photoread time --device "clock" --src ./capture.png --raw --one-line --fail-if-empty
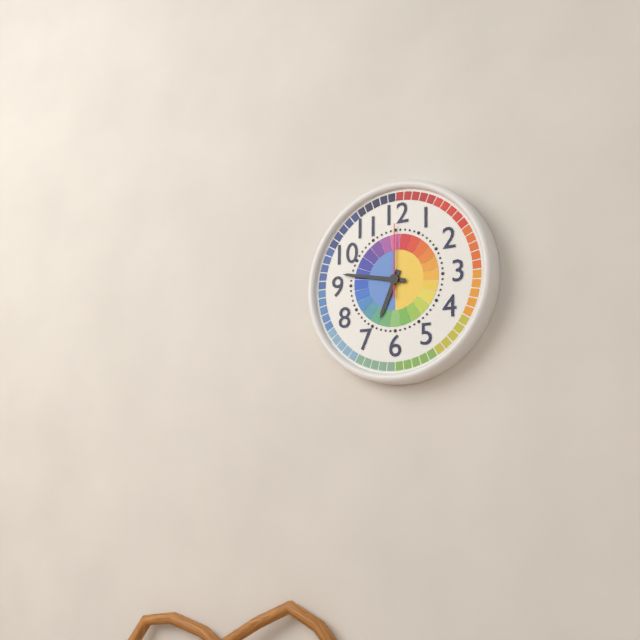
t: 6:47:00
